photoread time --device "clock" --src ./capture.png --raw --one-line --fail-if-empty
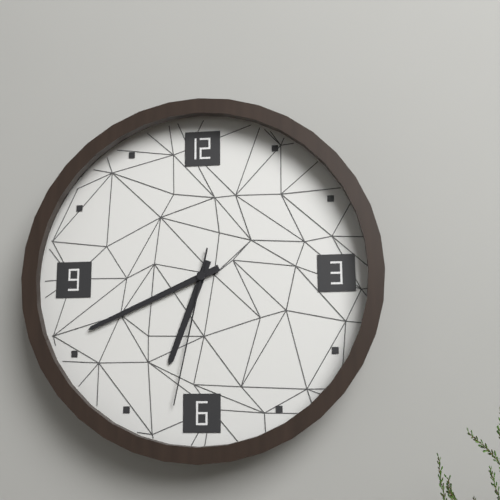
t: 6:41:32
